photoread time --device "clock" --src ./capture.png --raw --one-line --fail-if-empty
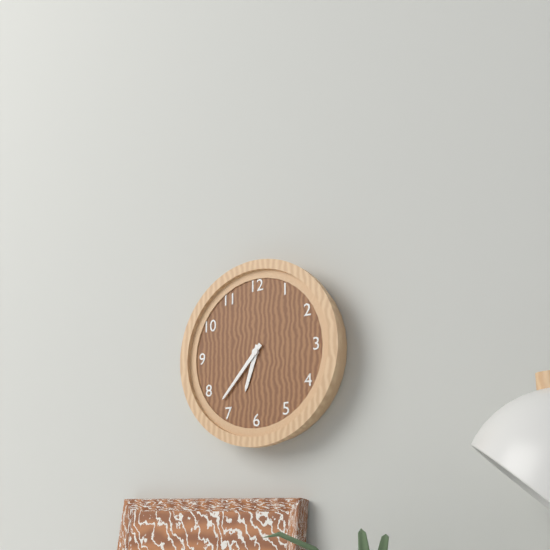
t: 6:37
